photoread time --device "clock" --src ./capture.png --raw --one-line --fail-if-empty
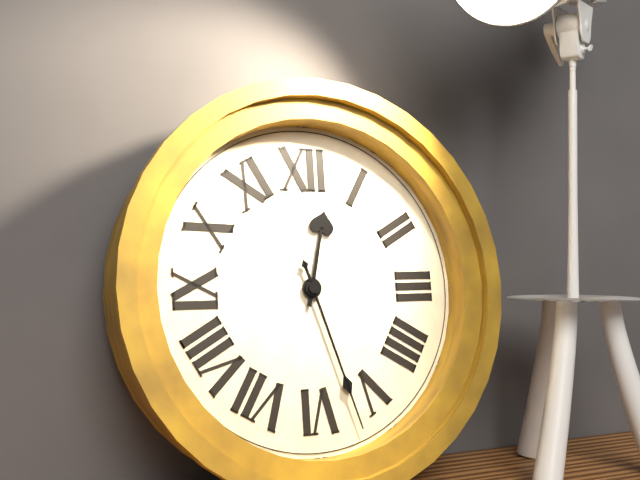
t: 12:27
